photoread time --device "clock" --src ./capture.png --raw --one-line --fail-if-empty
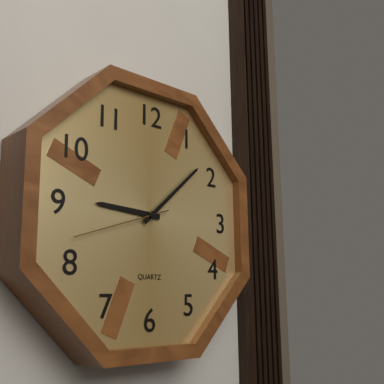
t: 9:08:42
